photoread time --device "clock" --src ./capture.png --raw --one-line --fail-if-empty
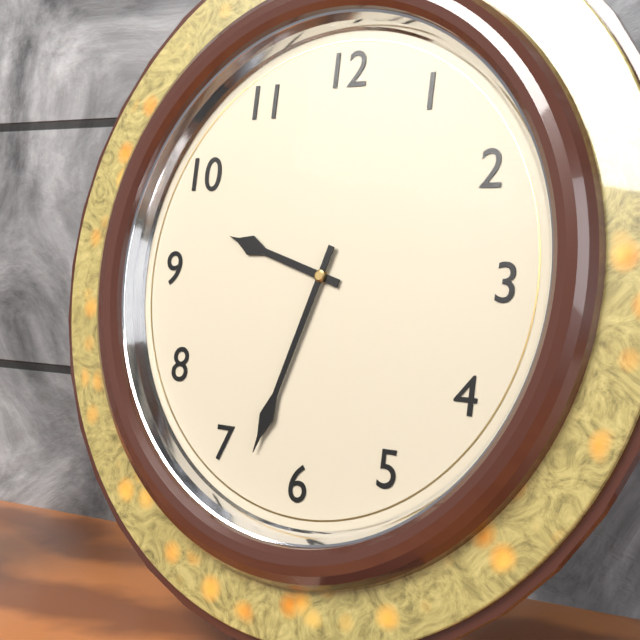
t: 9:33
